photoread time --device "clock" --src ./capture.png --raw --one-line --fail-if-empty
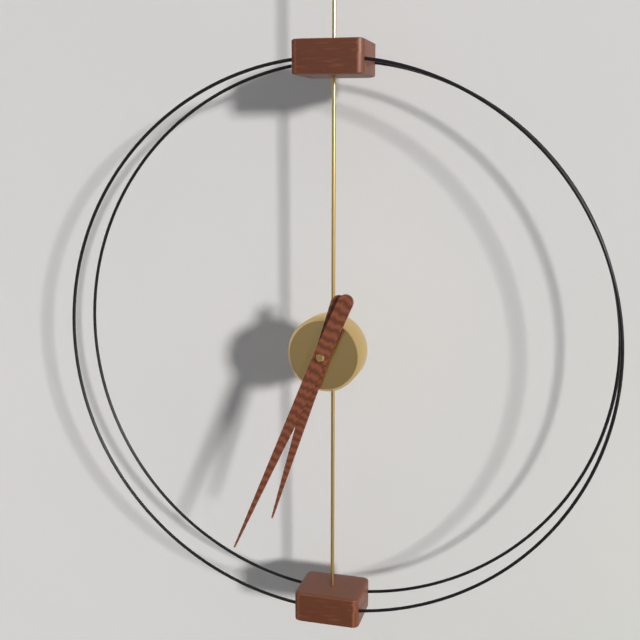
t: 6:34
